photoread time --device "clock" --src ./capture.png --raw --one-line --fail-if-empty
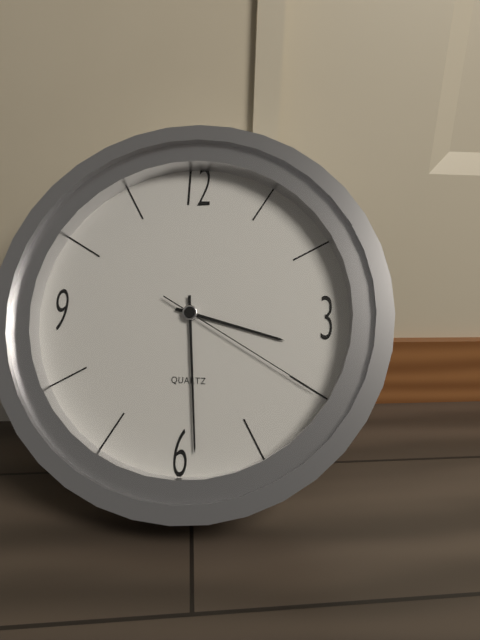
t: 3:29:20
